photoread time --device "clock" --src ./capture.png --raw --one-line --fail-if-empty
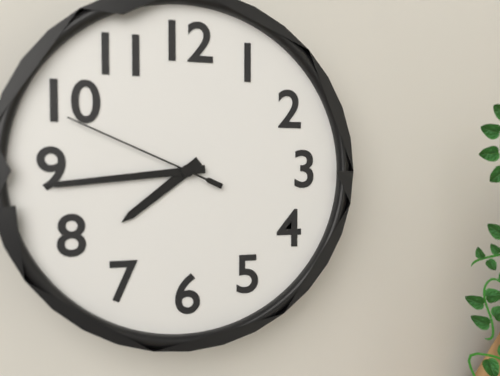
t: 7:44:49
